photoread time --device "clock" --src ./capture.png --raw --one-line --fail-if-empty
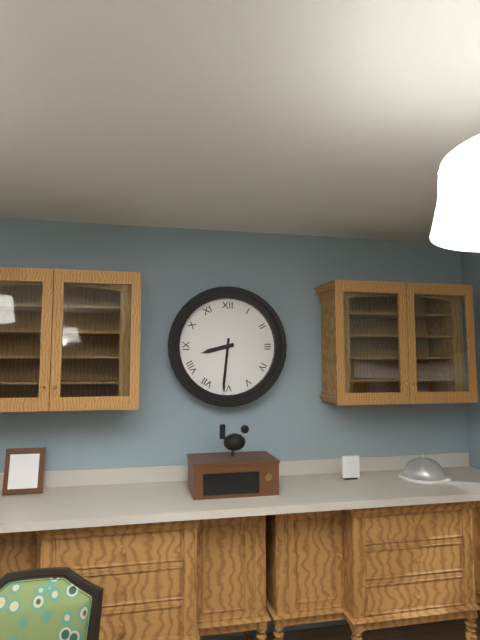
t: 8:31
